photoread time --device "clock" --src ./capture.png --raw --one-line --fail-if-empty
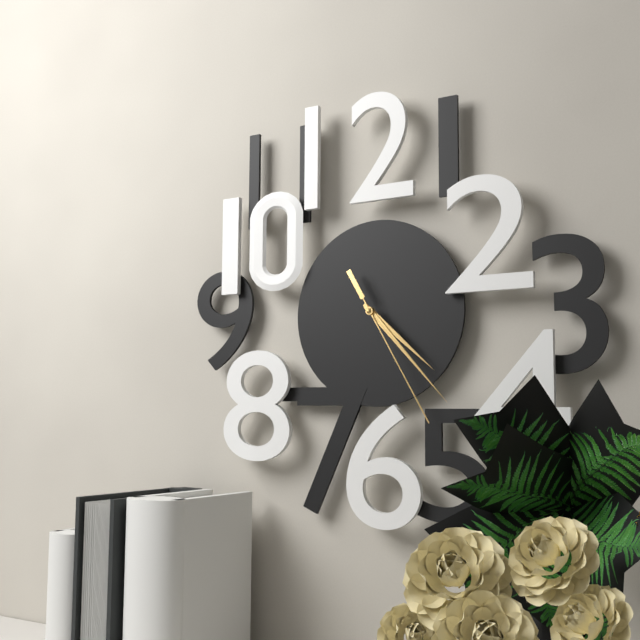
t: 4:23:25
